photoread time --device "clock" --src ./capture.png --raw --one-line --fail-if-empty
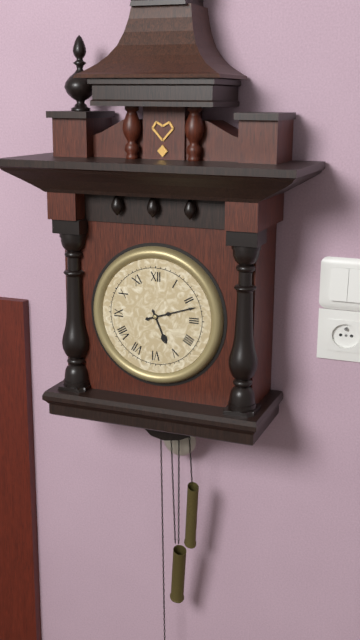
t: 5:12
